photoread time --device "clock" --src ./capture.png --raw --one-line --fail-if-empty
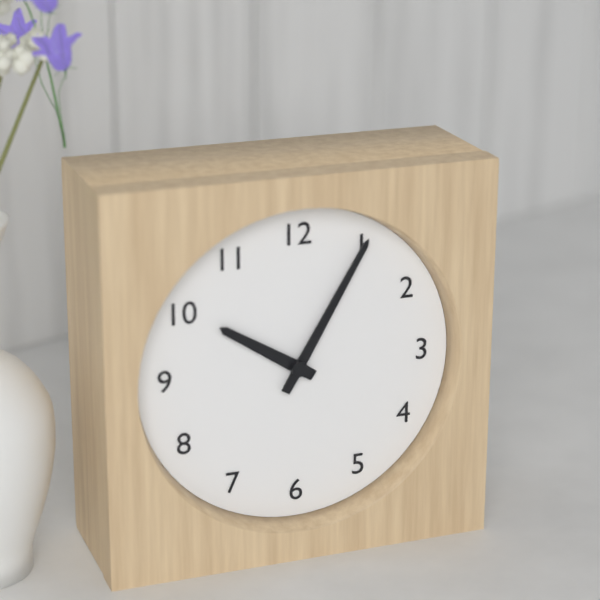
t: 10:05
